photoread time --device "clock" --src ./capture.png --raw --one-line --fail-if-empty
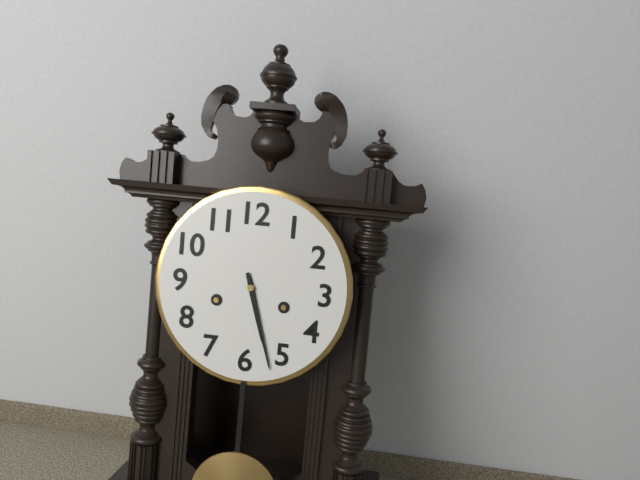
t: 5:27
